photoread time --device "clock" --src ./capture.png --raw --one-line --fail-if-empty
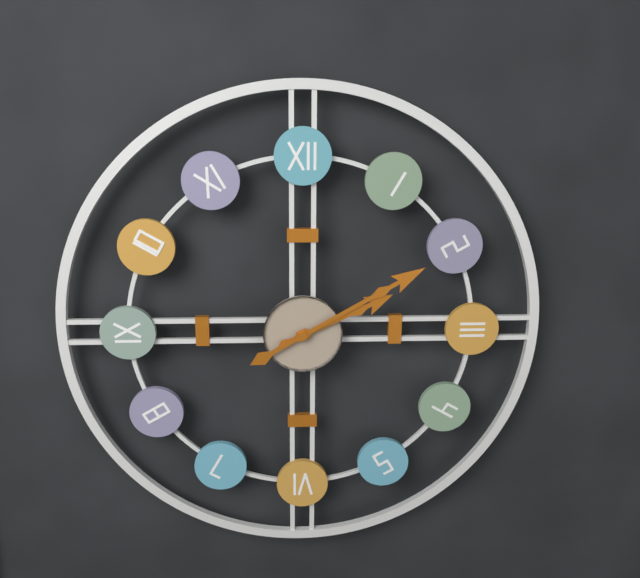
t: 2:10
